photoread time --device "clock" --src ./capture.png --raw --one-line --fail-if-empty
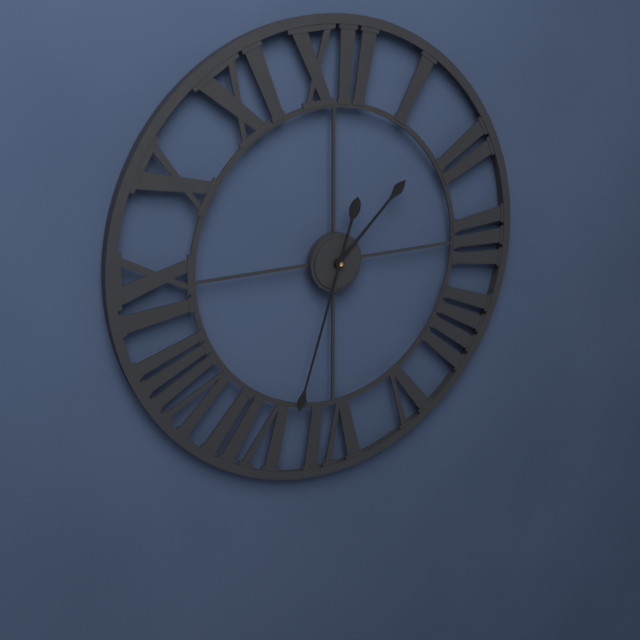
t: 1:33
